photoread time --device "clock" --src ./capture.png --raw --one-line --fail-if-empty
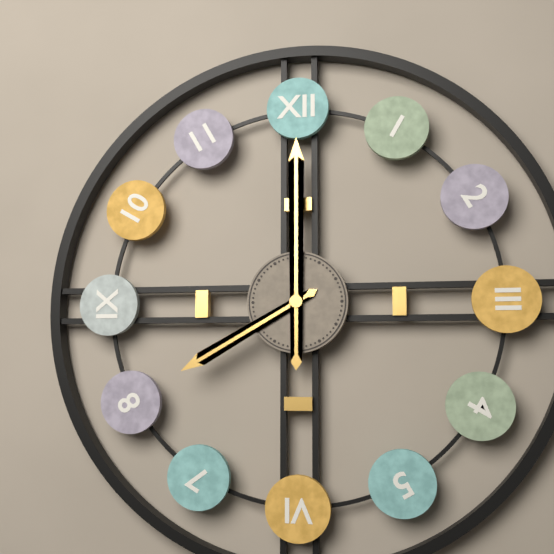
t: 8:00
